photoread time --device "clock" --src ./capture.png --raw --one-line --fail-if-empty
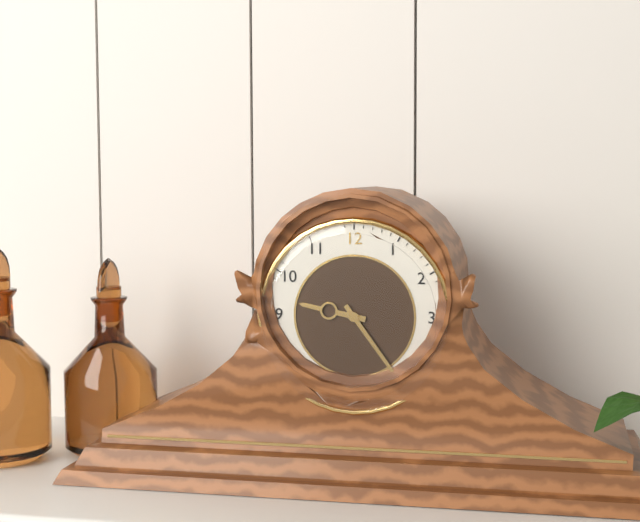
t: 9:24
